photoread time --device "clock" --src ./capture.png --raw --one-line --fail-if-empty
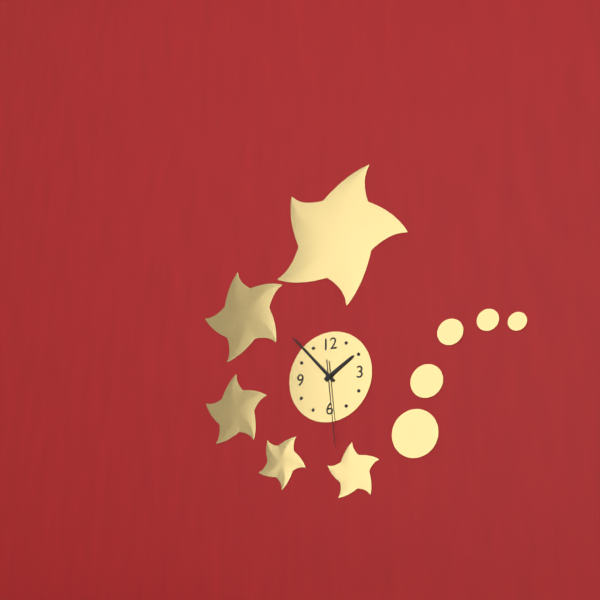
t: 1:53:29
